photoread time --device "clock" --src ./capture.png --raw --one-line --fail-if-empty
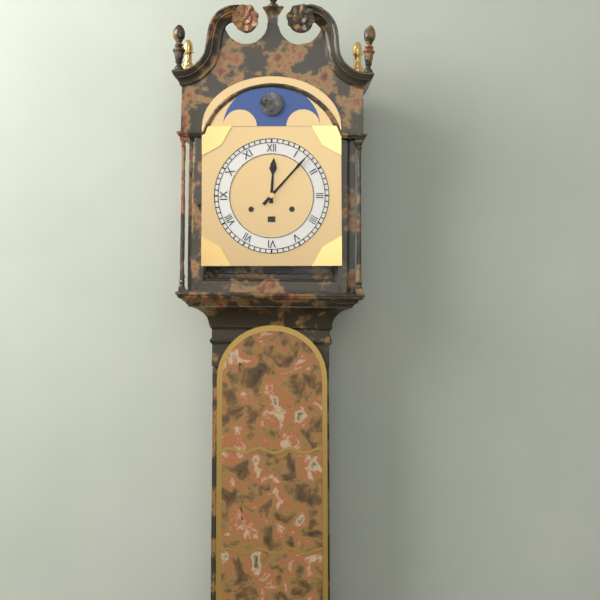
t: 12:07
